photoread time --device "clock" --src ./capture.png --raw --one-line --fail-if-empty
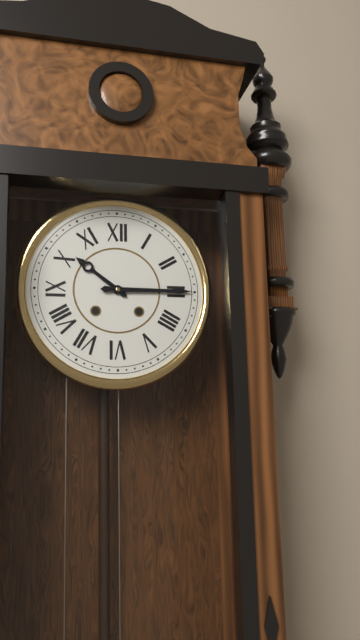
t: 10:15
